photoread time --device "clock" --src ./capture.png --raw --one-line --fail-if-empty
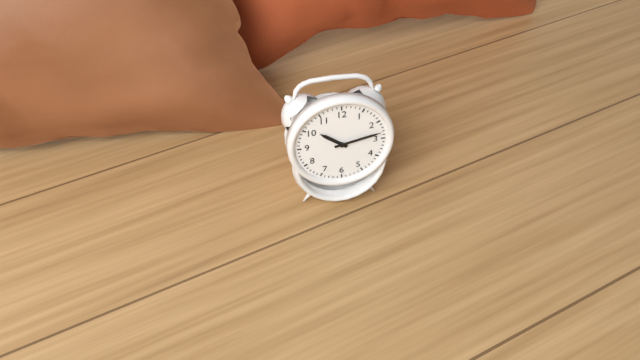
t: 10:13
